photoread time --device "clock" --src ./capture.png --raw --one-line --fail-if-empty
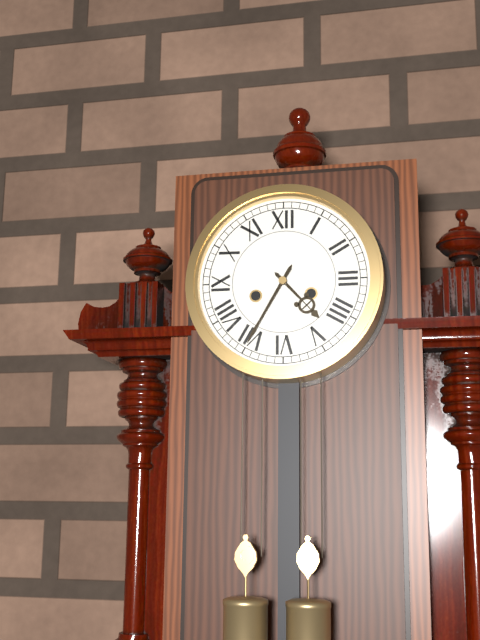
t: 4:35
